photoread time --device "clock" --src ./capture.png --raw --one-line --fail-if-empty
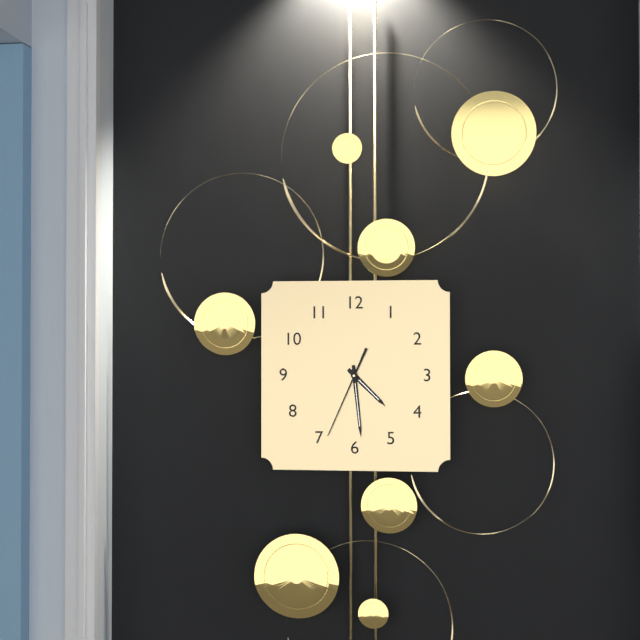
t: 4:29:34
